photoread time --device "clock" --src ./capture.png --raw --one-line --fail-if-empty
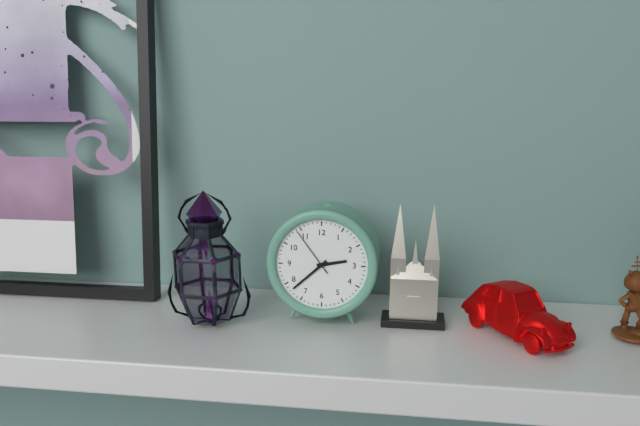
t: 2:38:54
